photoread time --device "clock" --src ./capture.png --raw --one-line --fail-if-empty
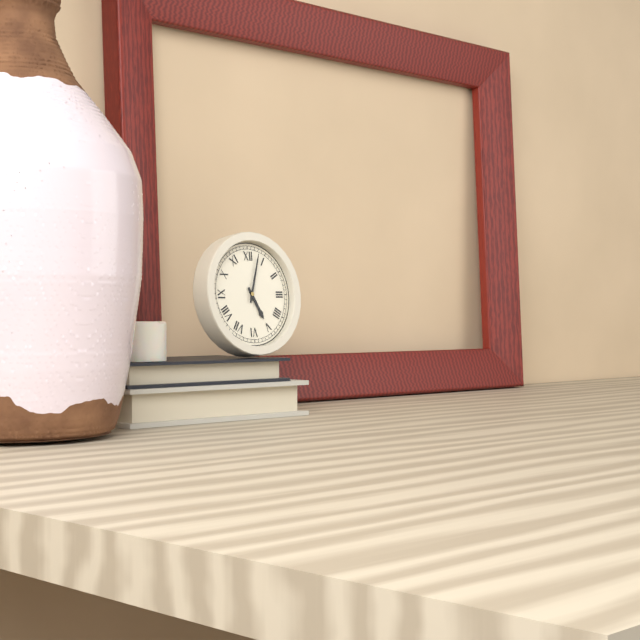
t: 5:03
